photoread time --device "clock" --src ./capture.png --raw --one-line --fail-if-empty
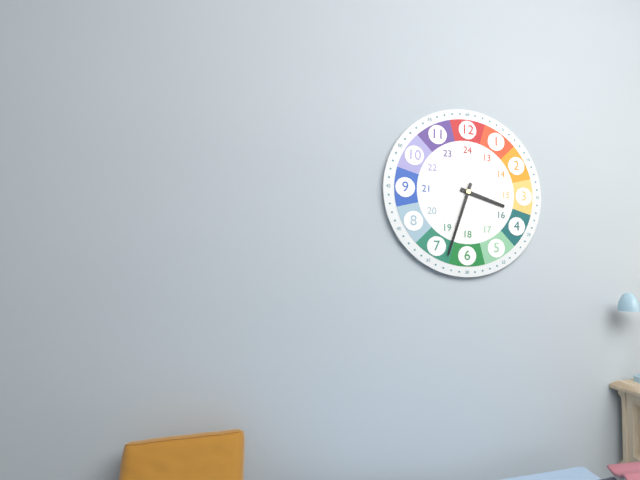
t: 3:33
